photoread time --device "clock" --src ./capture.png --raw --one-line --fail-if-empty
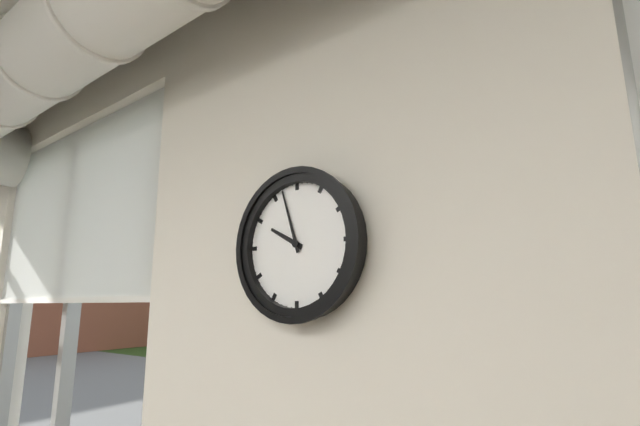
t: 9:57
